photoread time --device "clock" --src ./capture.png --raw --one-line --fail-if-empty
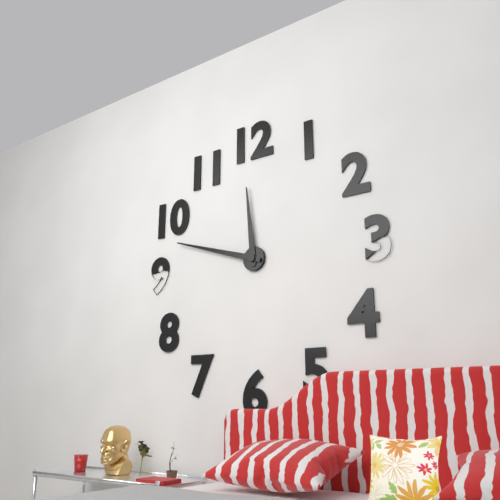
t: 11:48
